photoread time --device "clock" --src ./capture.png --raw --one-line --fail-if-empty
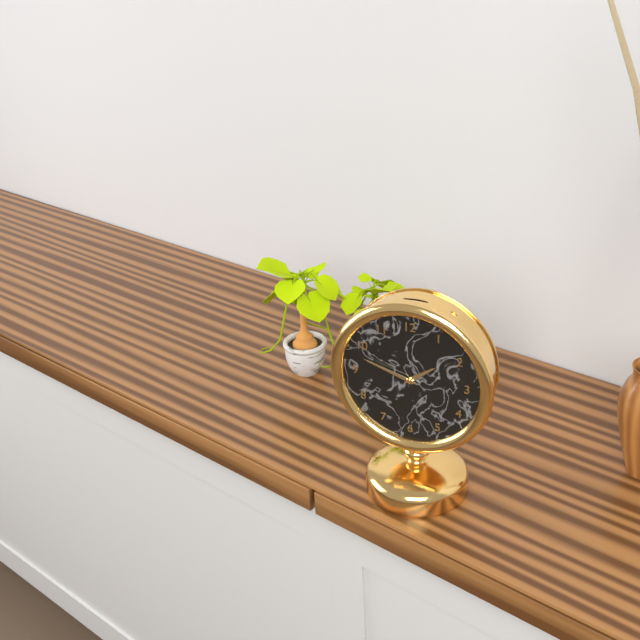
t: 1:48
